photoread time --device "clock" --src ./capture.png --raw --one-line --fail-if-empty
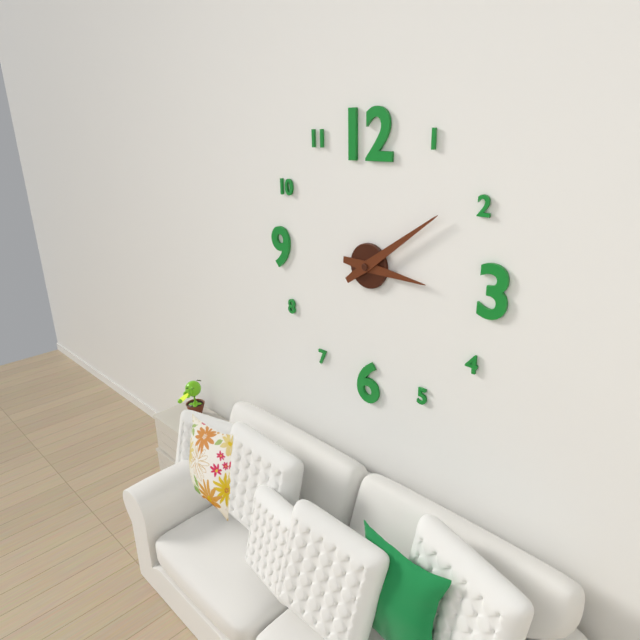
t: 3:09
